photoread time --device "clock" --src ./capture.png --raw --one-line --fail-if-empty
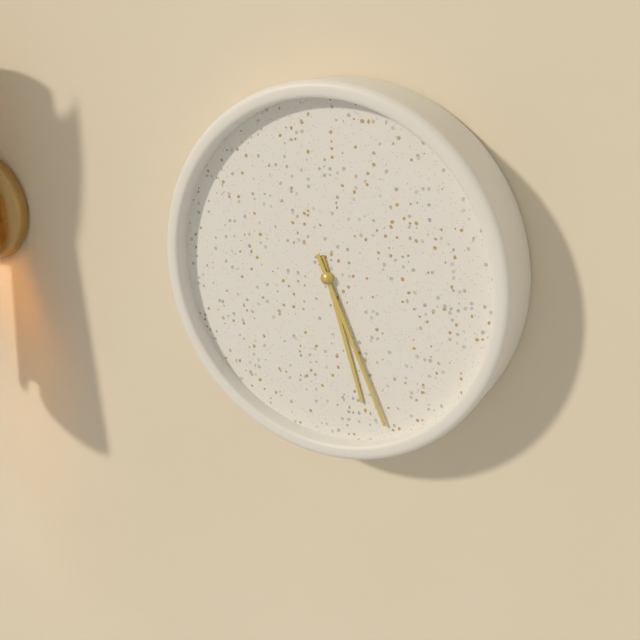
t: 5:26
